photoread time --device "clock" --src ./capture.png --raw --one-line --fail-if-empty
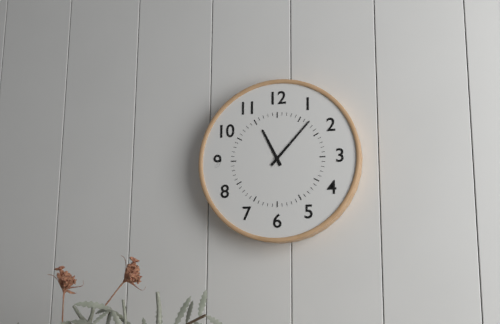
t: 11:07
